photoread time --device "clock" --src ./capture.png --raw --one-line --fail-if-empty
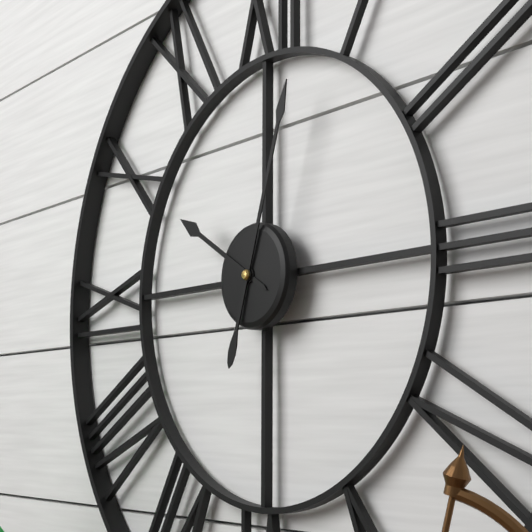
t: 10:03
